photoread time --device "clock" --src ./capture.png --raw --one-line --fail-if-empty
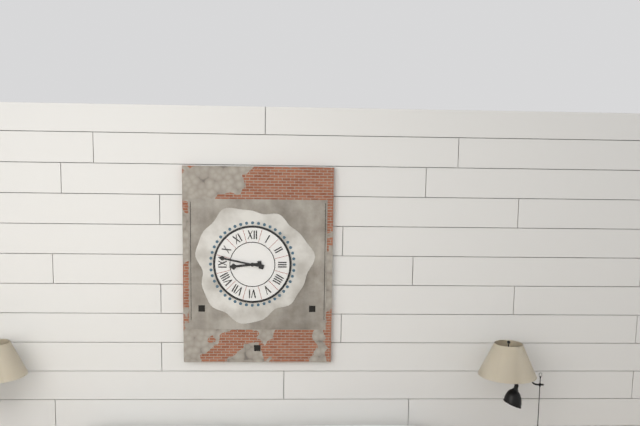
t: 8:47
